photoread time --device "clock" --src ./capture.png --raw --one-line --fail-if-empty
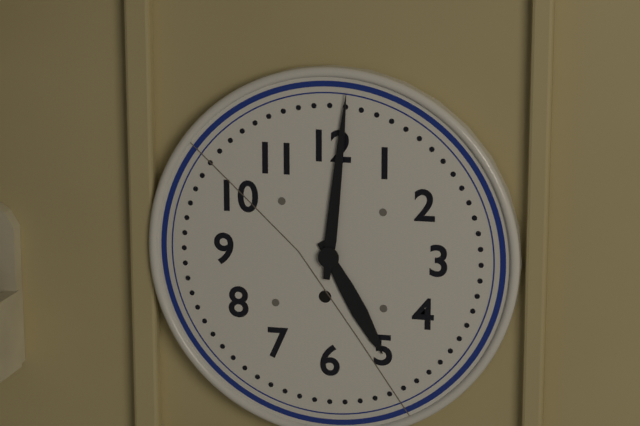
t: 5:01
